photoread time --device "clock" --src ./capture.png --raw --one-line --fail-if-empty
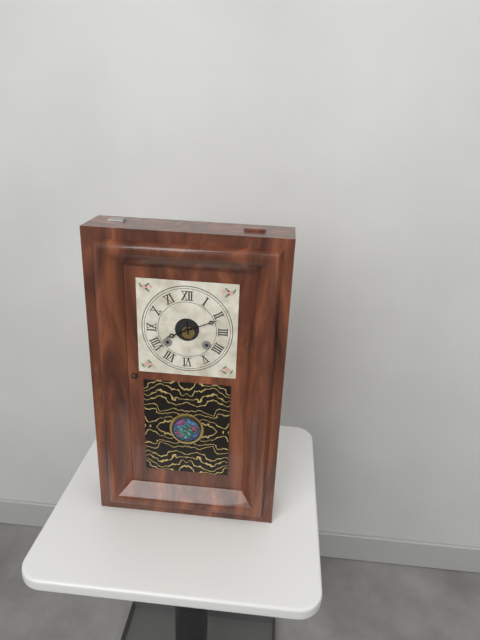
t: 8:11
